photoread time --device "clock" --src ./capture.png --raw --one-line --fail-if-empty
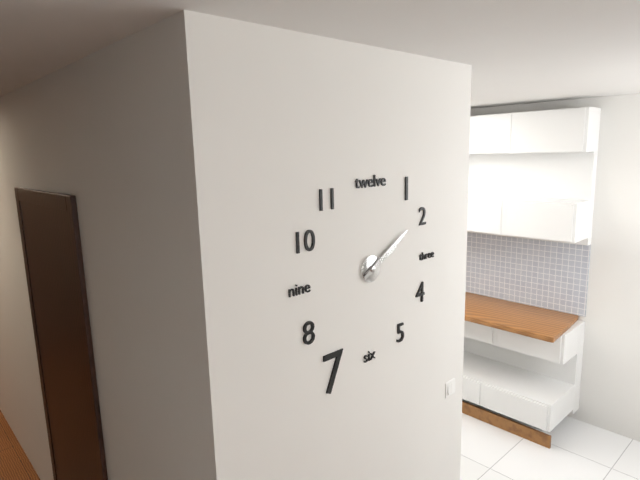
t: 2:10
